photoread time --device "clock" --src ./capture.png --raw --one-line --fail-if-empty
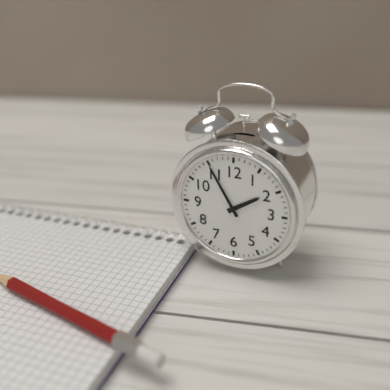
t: 1:55
